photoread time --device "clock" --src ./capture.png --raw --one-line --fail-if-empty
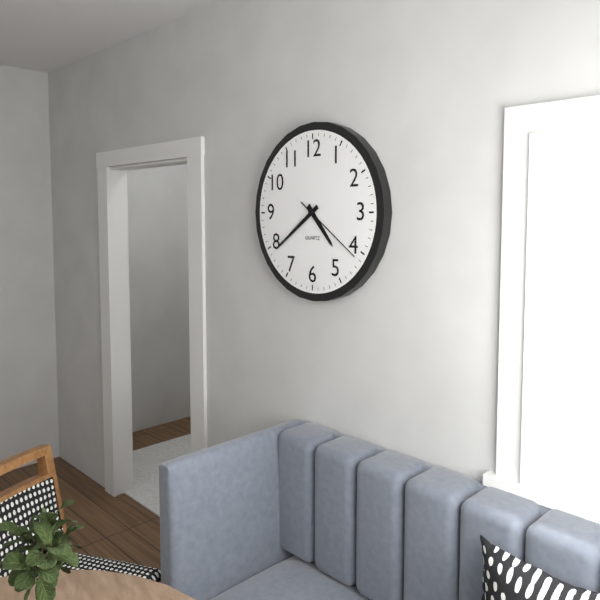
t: 4:39:21
